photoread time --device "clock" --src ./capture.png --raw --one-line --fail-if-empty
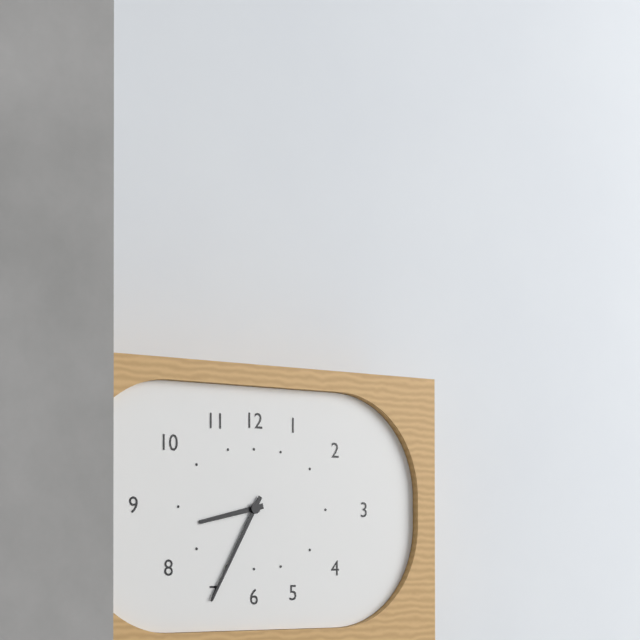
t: 8:35
